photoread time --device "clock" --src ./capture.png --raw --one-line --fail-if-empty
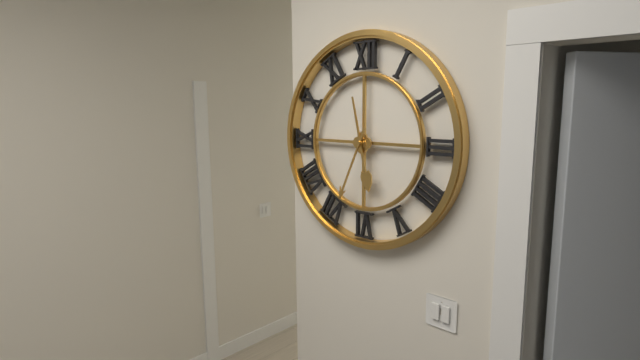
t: 5:34
